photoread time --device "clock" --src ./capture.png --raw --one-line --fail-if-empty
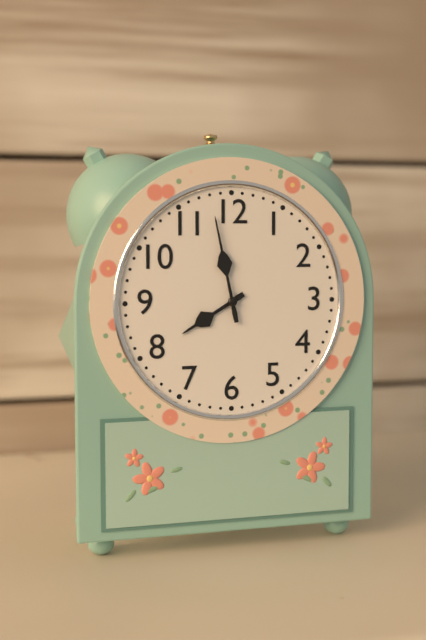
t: 7:58
